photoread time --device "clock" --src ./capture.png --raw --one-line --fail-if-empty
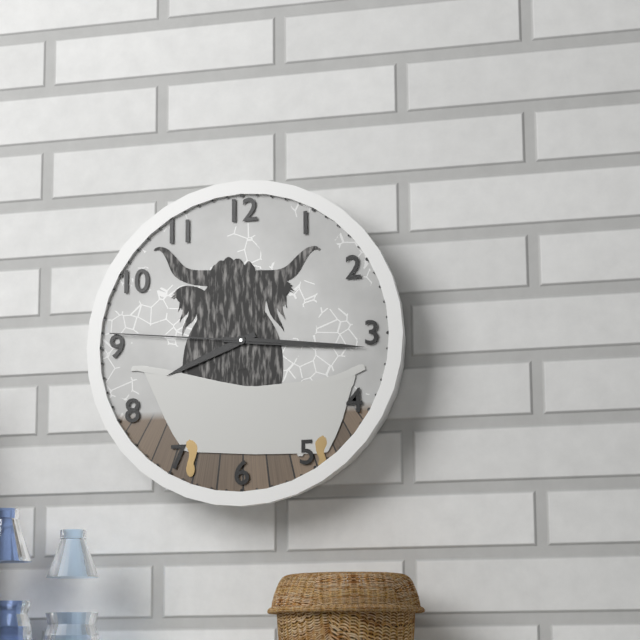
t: 8:16:46
